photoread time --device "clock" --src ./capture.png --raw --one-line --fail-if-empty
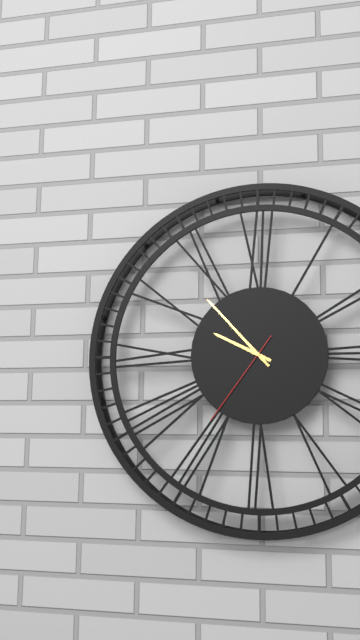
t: 9:53:36
